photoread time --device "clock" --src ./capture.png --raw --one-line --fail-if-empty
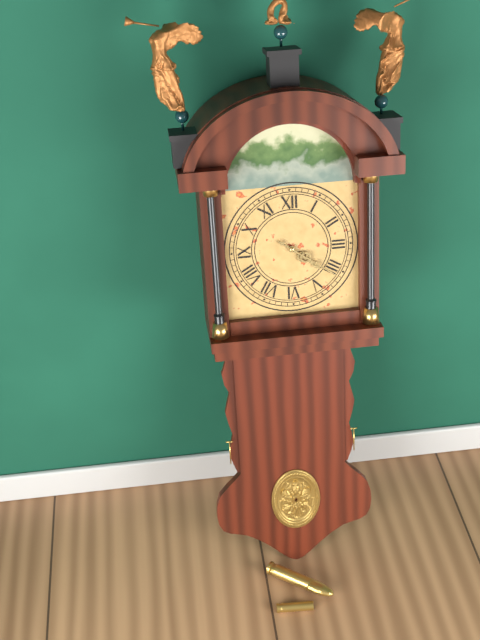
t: 4:21
